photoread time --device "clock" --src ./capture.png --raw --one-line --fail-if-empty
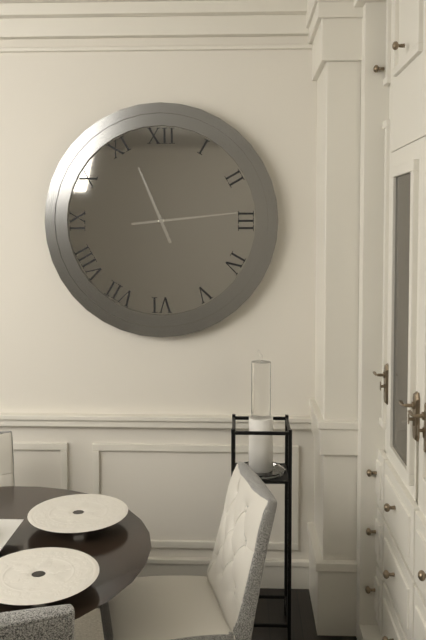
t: 11:14
